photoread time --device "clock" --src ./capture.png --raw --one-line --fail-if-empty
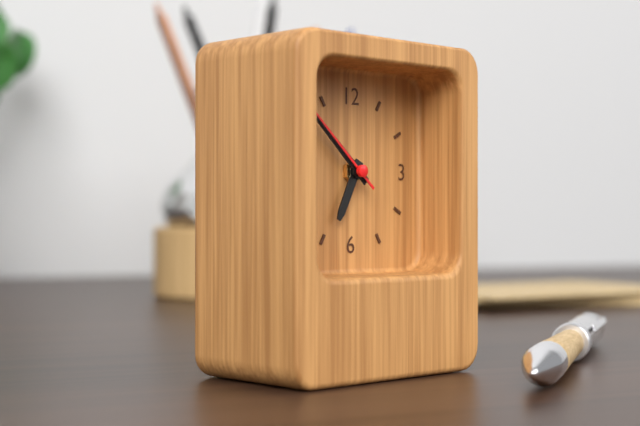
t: 6:52:52
